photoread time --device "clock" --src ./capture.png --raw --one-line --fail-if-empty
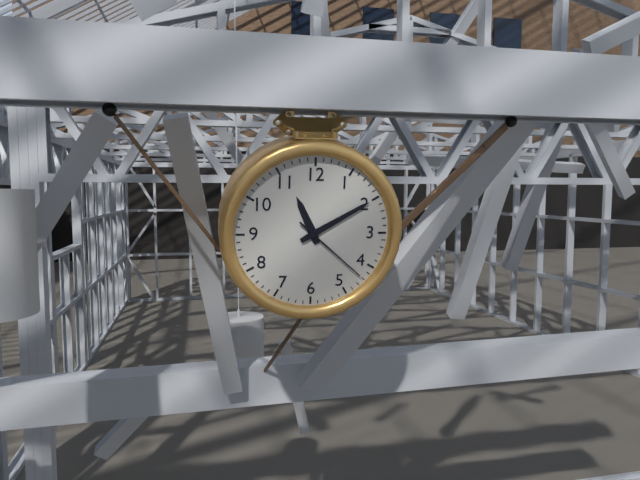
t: 11:10:22
